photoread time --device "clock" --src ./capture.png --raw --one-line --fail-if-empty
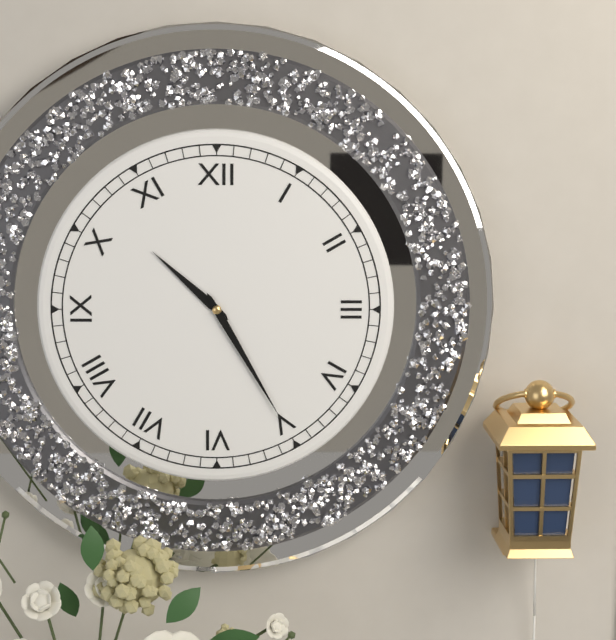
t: 10:25
